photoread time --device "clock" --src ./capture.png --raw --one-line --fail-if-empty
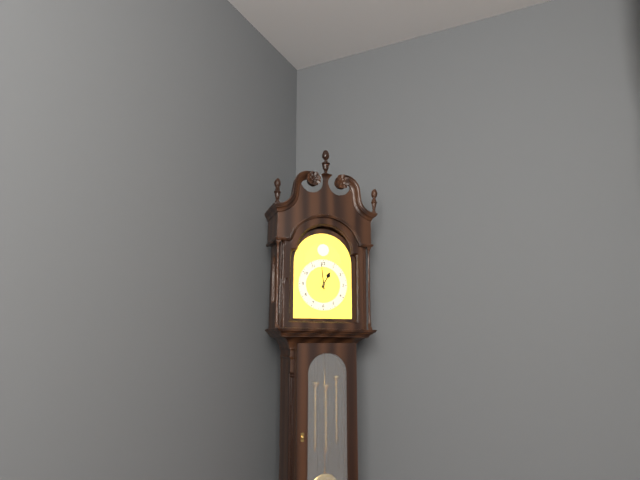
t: 12:59
